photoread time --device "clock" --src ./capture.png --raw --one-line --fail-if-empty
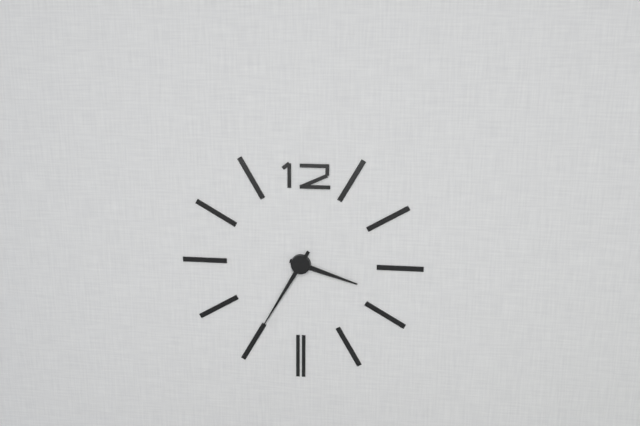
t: 3:35
